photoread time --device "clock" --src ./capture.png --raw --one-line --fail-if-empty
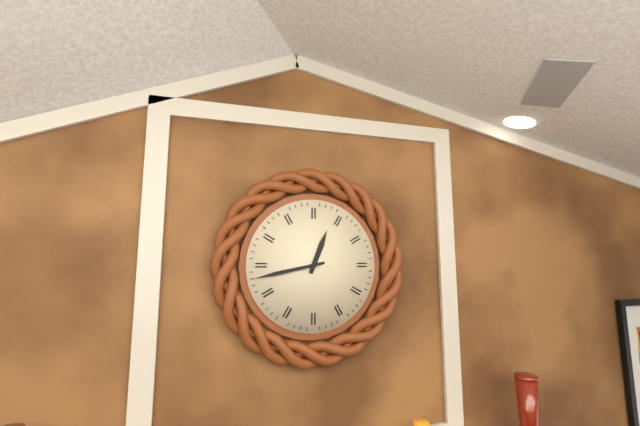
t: 12:43
